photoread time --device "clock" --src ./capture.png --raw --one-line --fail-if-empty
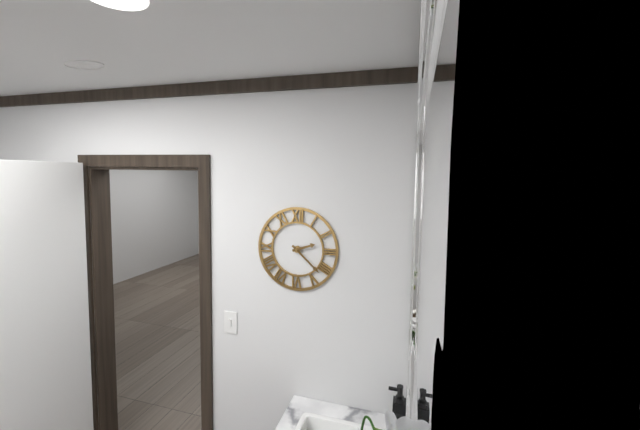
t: 2:22
